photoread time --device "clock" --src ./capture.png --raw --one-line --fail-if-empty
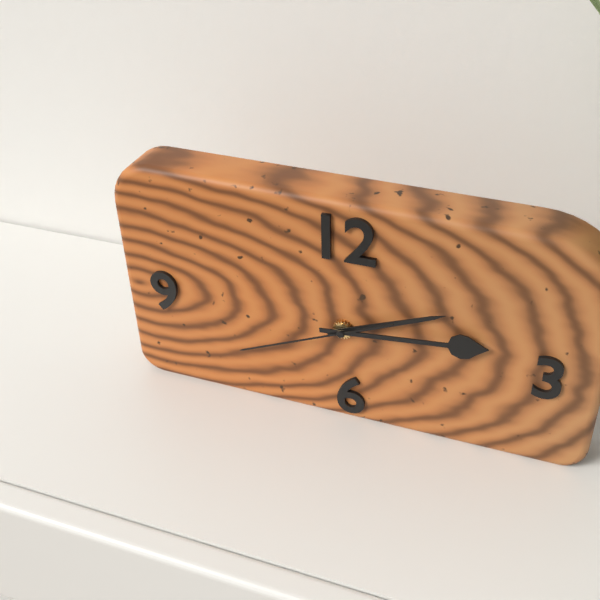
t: 2:14:41
